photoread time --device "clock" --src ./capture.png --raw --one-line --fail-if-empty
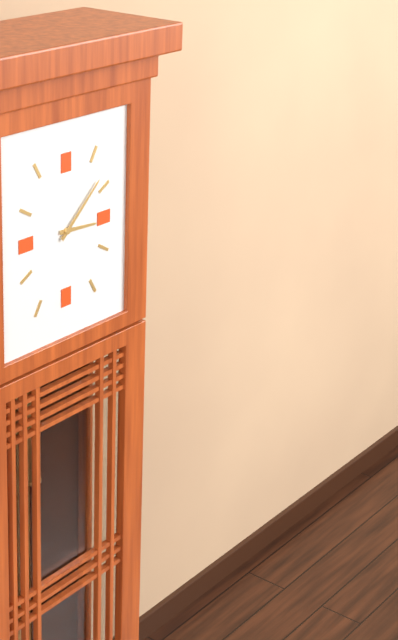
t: 3:08
